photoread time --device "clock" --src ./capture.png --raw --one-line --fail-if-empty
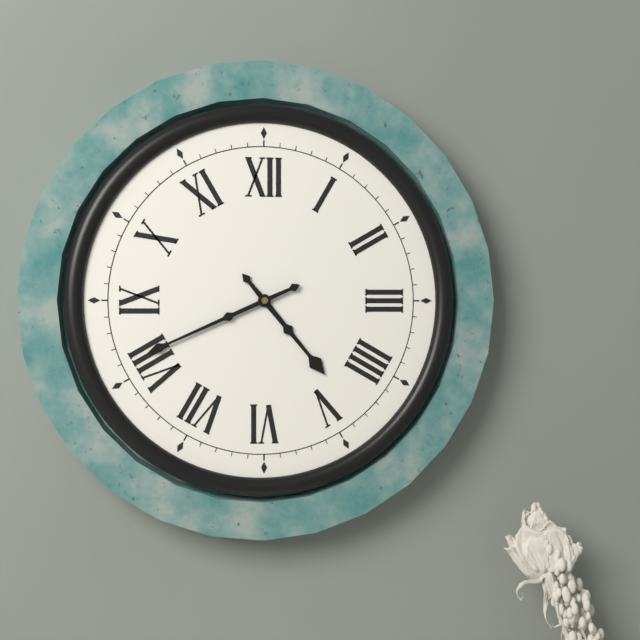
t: 4:41
